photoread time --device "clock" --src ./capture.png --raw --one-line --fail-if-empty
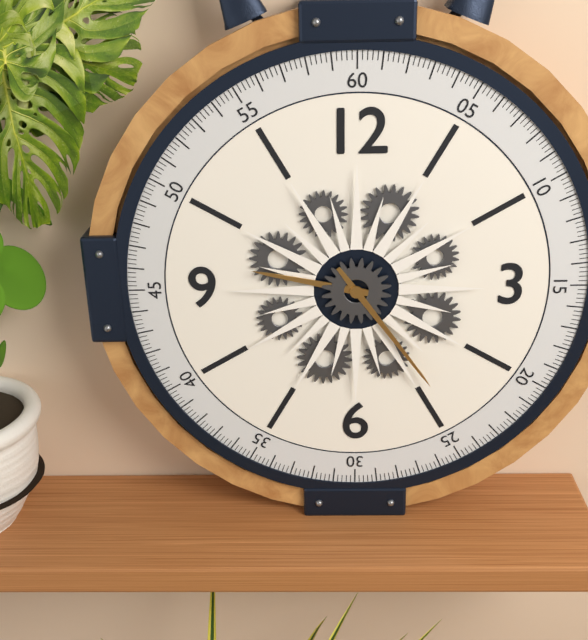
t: 9:24
